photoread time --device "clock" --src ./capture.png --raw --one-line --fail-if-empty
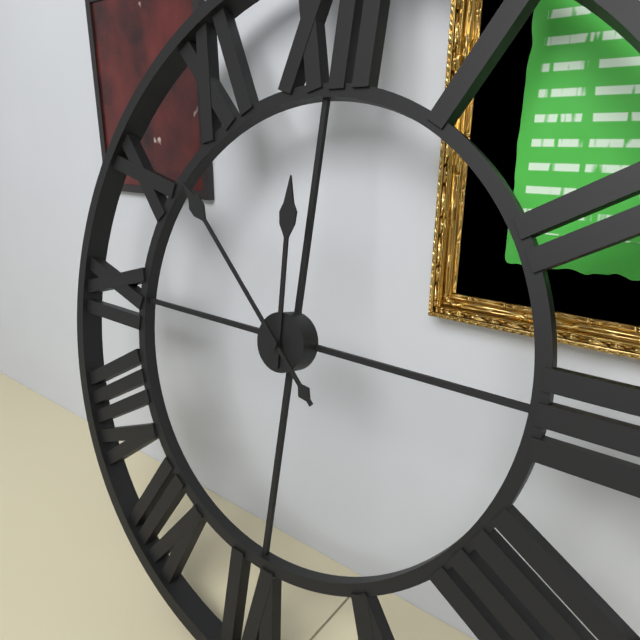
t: 11:52
